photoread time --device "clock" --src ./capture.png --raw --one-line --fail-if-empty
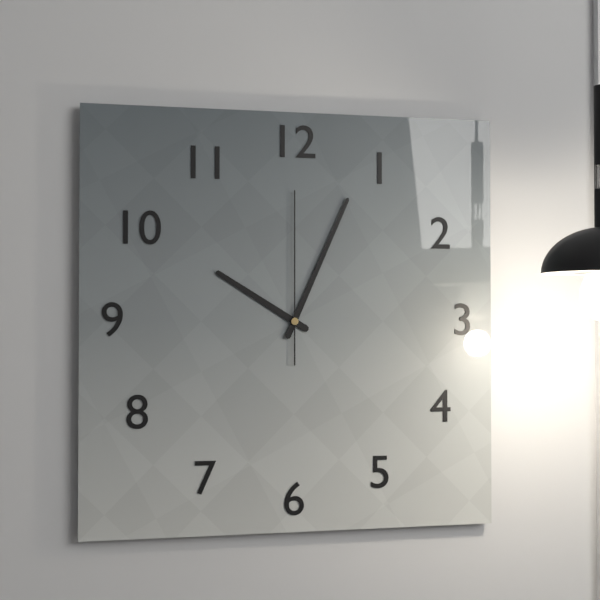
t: 10:04:00
